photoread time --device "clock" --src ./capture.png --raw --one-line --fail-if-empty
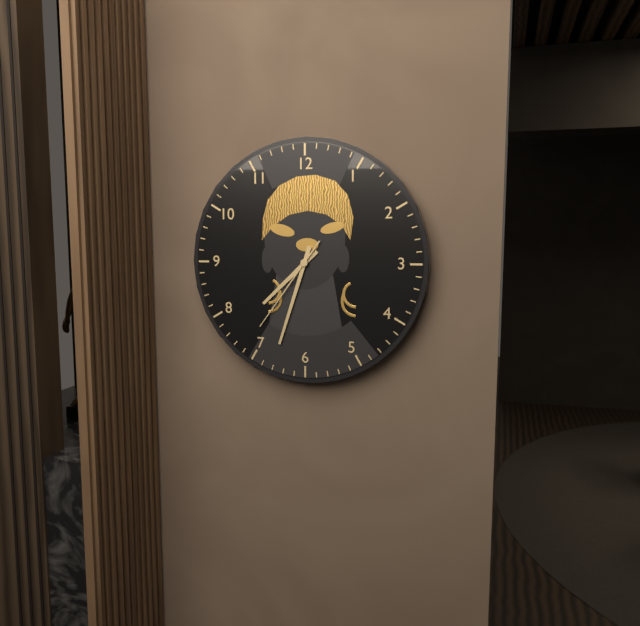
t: 7:33:36
